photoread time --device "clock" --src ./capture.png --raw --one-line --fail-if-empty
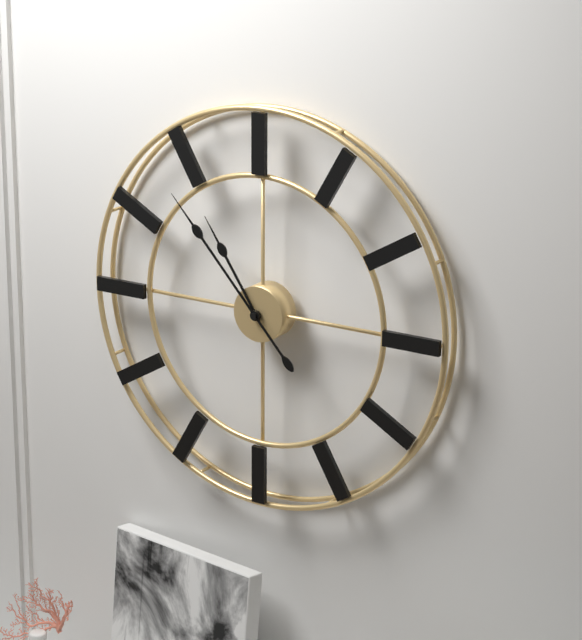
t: 10:53
